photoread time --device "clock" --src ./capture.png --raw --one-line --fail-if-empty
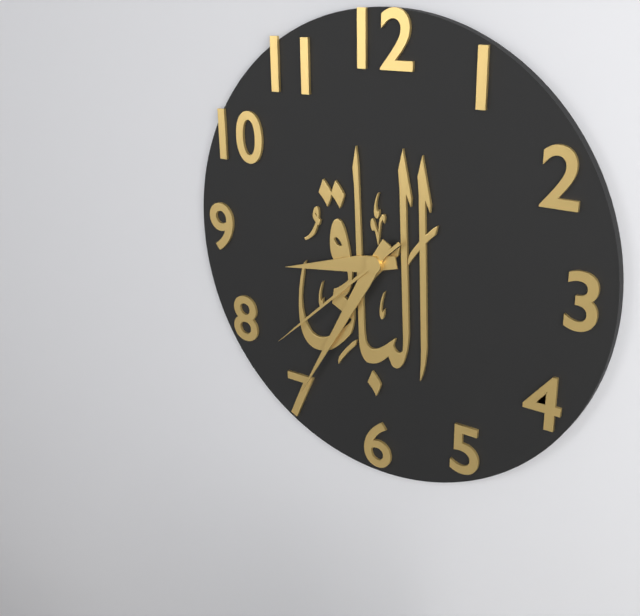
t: 8:35:38
